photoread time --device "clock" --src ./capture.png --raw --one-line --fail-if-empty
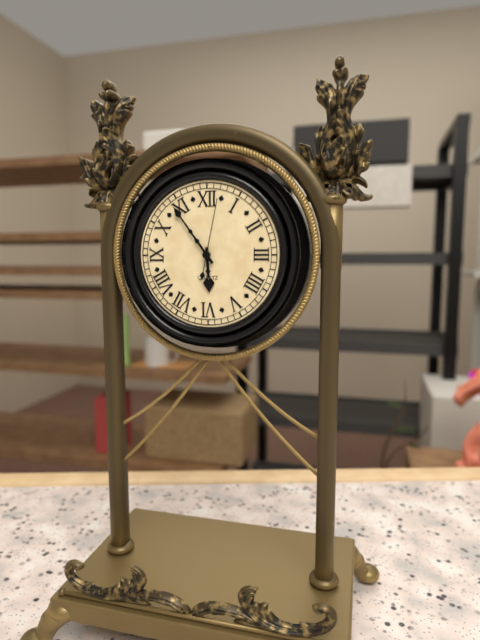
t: 5:54:02
